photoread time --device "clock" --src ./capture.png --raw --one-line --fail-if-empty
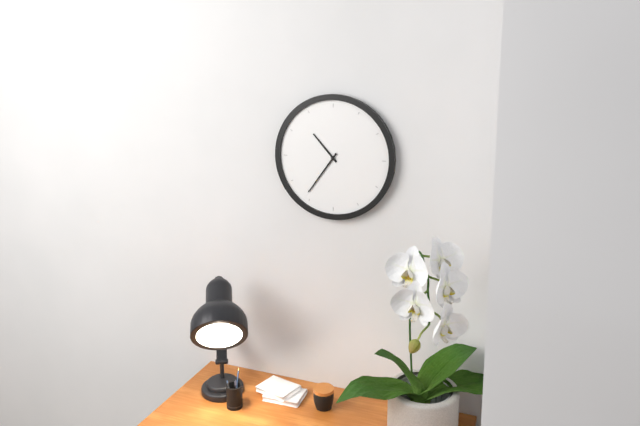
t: 10:36
